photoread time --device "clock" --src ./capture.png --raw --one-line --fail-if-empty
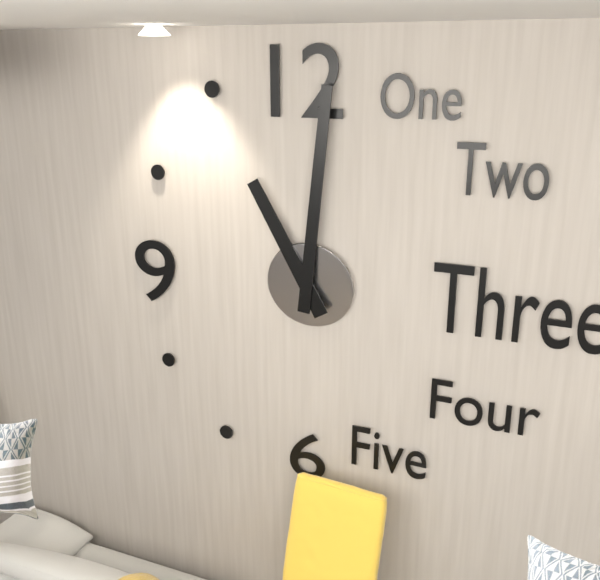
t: 11:01
